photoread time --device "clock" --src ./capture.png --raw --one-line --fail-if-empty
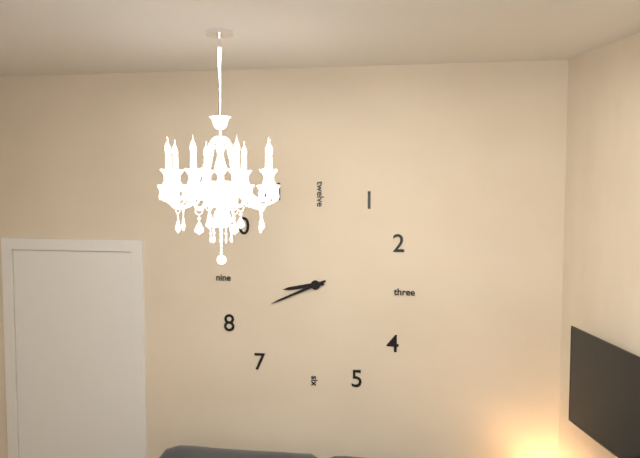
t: 8:41
